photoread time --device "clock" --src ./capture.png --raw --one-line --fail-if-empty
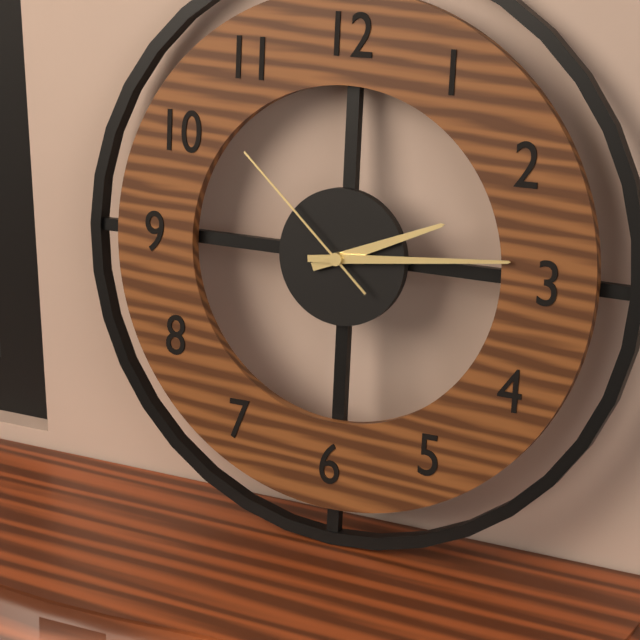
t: 2:14:52
